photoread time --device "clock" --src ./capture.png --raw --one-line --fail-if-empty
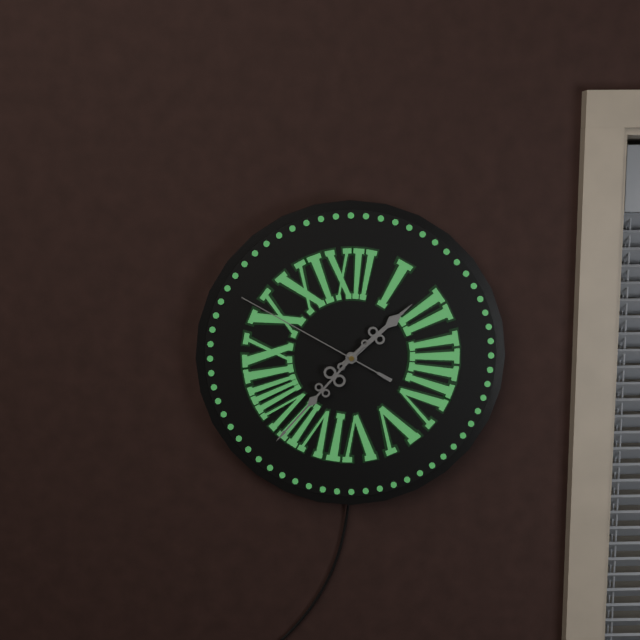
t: 1:37:50
